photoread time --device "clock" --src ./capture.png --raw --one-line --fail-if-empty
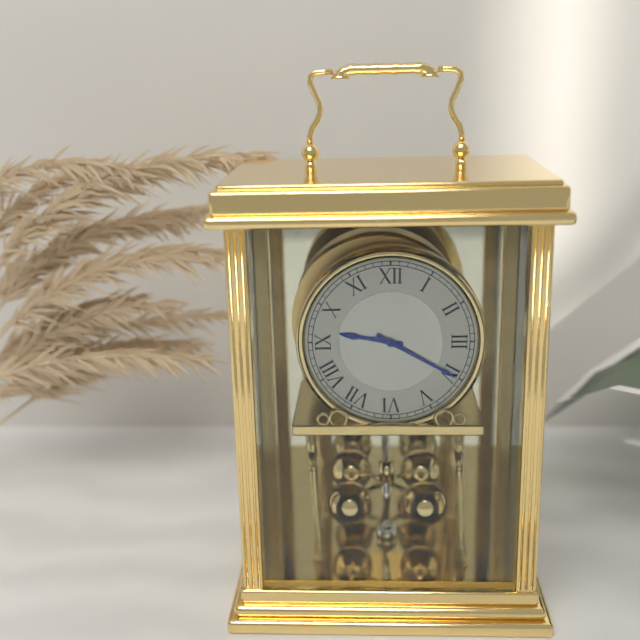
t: 9:20
